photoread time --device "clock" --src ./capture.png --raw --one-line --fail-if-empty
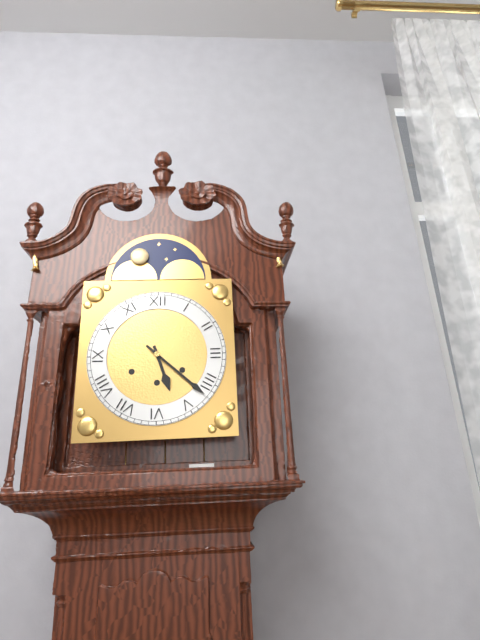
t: 5:22
